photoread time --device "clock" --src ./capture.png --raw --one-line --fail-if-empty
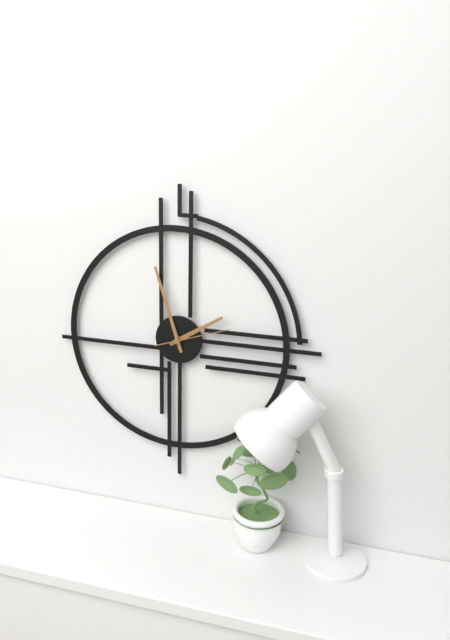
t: 1:57:12
